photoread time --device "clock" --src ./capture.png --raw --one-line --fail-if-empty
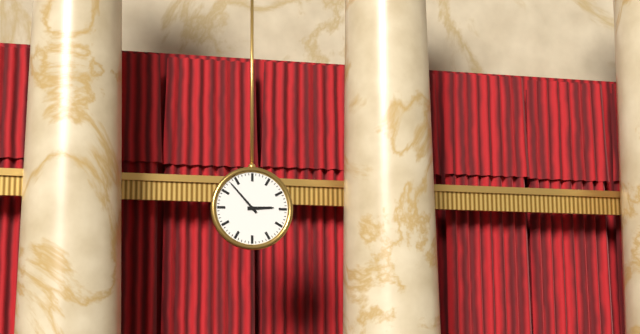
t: 2:53
